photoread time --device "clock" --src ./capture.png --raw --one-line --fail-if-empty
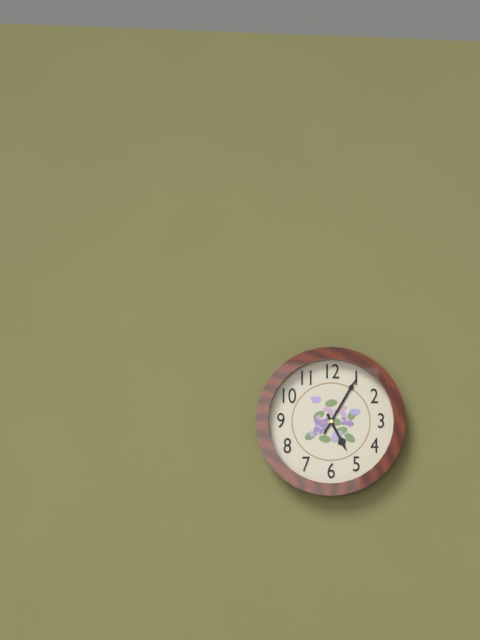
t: 5:05
